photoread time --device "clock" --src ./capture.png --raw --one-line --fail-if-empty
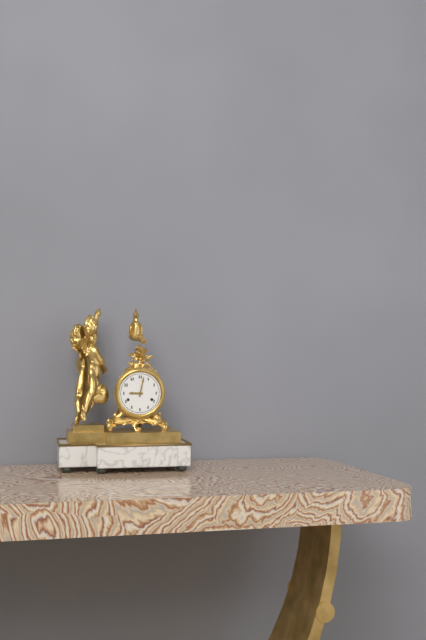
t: 9:02
